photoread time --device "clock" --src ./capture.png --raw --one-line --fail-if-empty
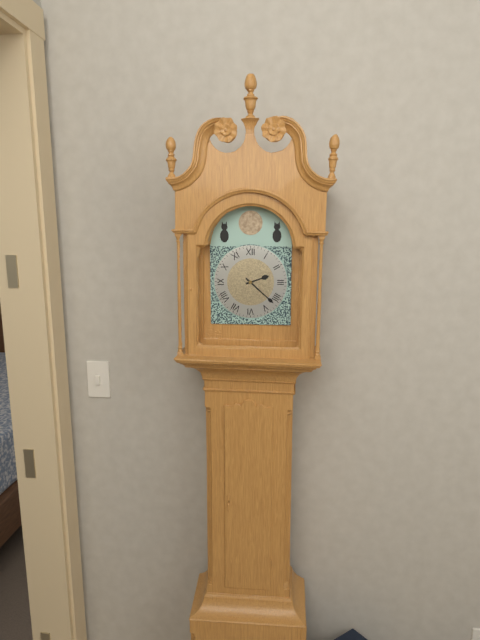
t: 2:22
